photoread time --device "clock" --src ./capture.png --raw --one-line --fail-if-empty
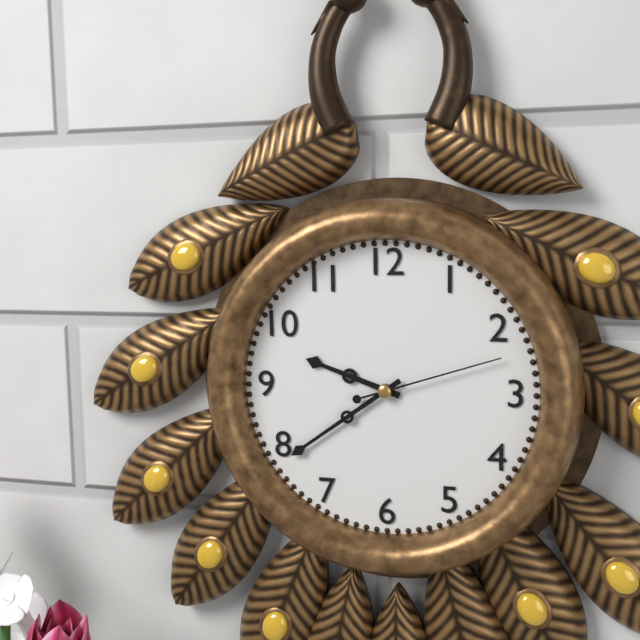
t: 9:39:12
